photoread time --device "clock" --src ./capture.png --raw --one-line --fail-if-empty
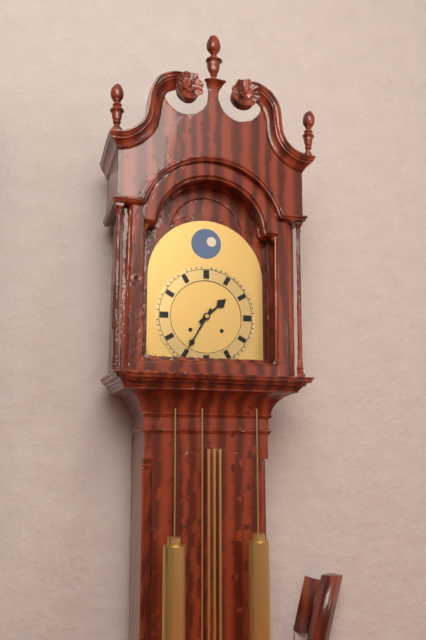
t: 1:35
